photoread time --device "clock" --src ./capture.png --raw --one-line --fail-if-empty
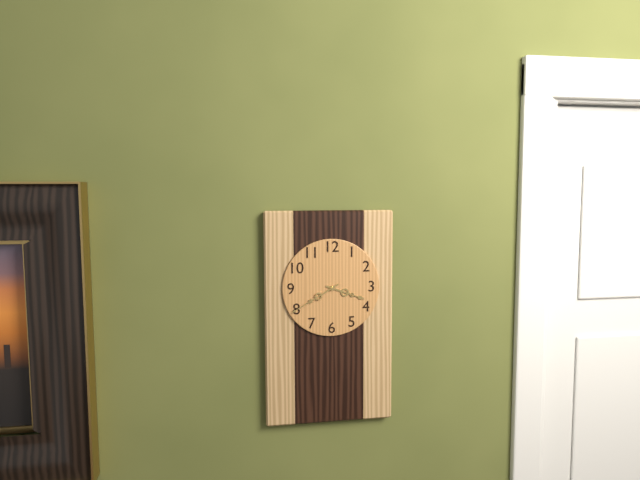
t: 3:40
